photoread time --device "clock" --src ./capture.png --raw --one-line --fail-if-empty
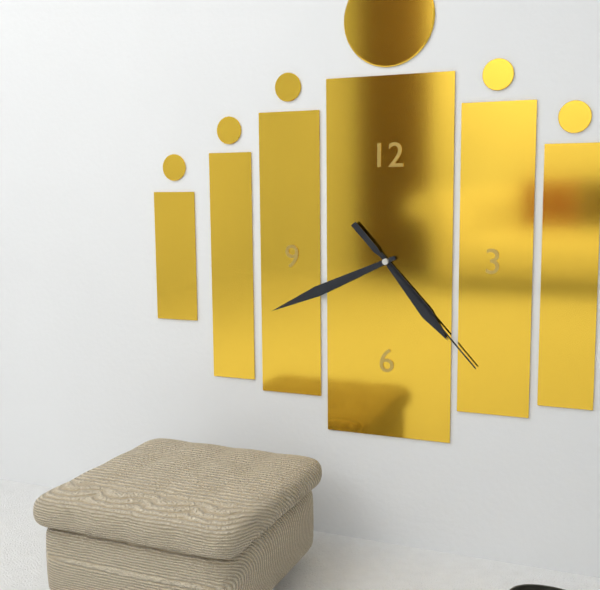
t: 4:41:23
